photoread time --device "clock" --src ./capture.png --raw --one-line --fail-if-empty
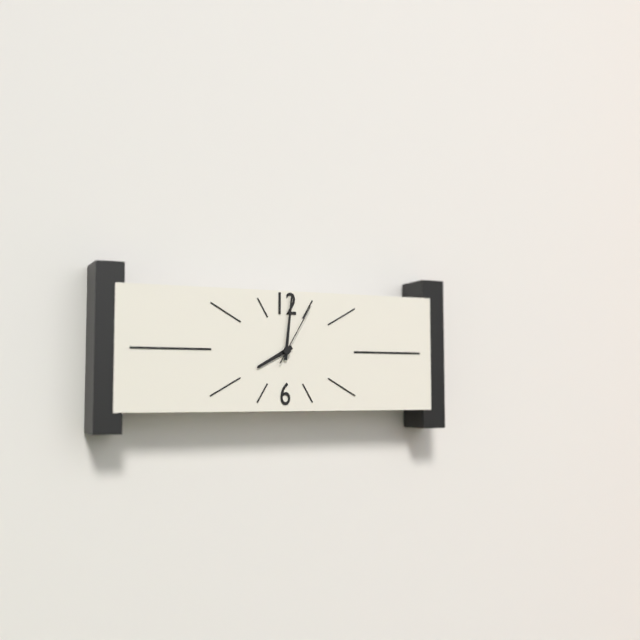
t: 8:01:05
